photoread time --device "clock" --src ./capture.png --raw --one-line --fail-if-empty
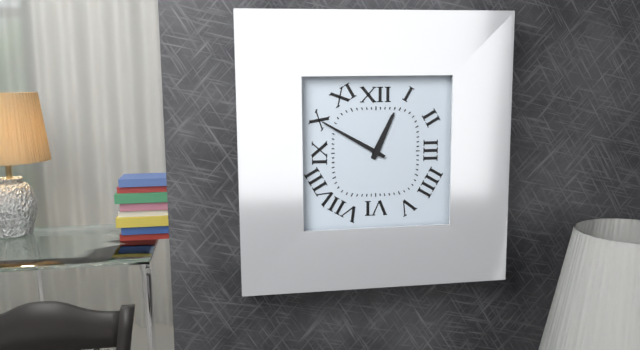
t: 12:50
